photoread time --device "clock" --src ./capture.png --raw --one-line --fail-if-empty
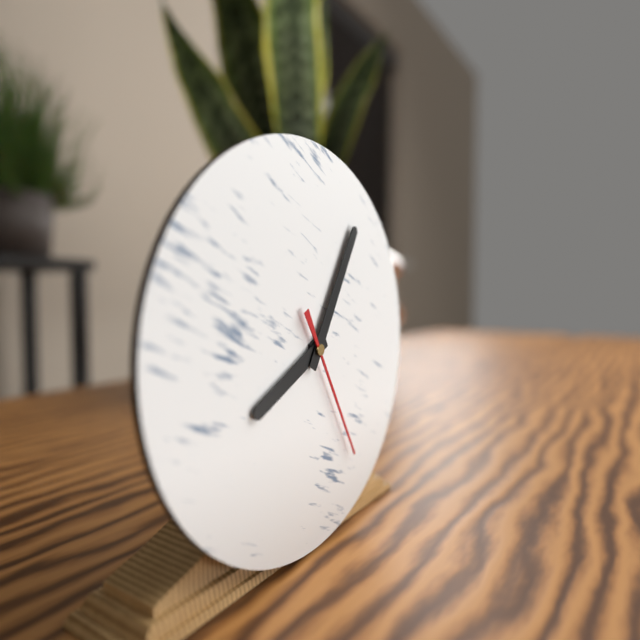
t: 8:05:25
